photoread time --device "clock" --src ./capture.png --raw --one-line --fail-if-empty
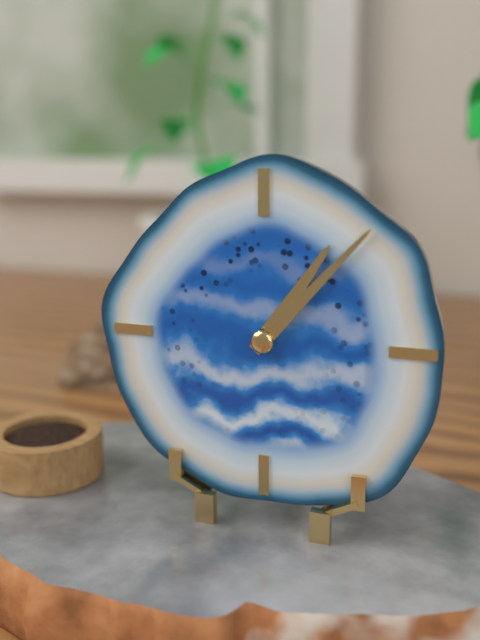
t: 1:07
